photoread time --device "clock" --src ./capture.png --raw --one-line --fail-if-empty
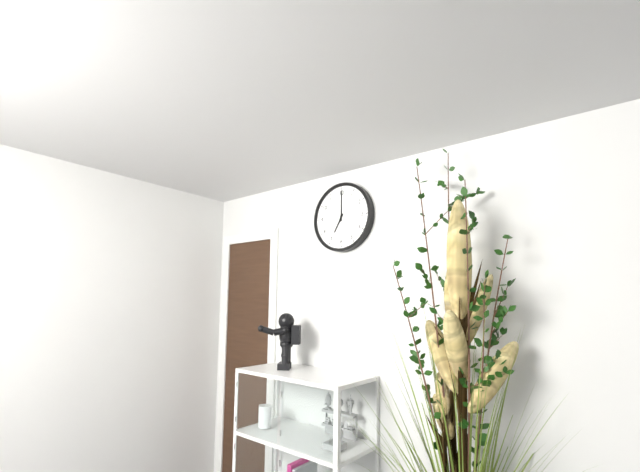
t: 7:00
